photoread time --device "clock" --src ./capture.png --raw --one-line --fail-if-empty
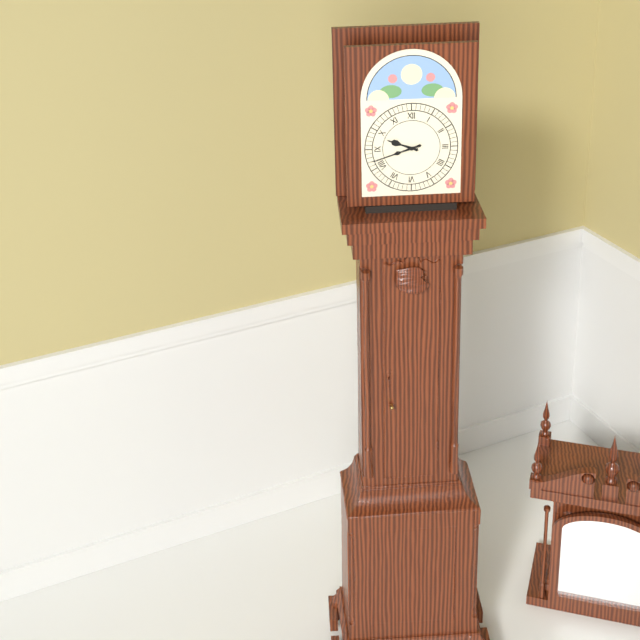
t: 9:42
